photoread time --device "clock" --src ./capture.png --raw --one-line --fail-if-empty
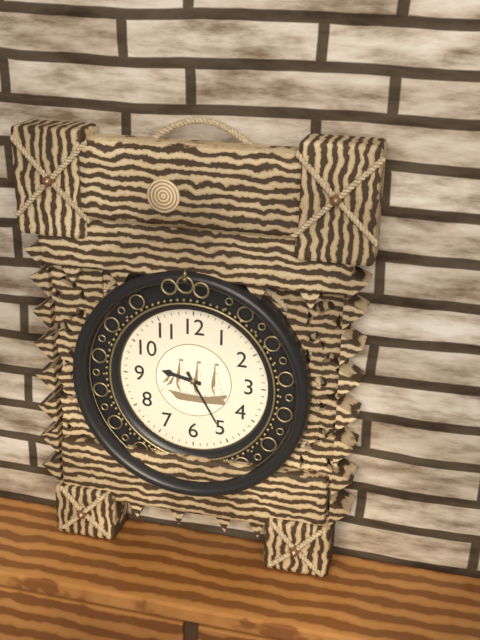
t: 9:25
